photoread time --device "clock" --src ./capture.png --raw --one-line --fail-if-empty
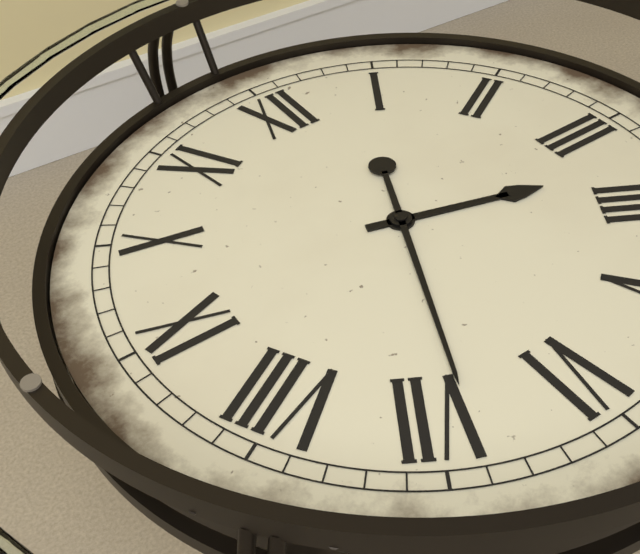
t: 3:34
